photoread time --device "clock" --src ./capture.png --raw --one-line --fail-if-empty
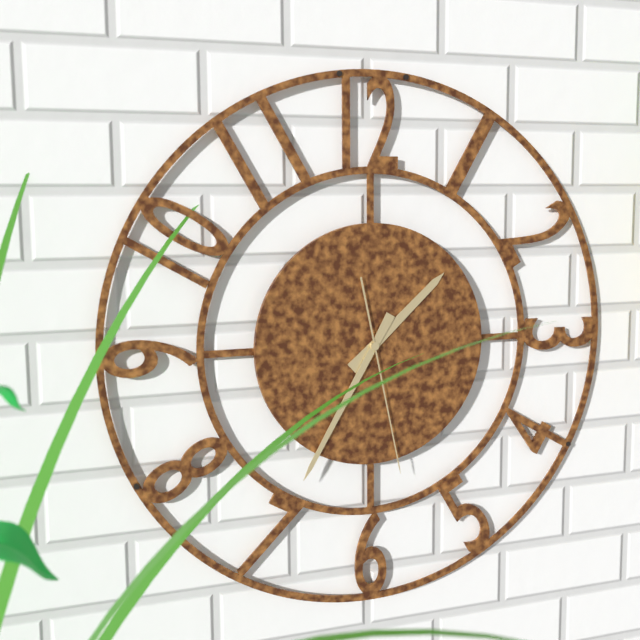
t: 1:35:28
